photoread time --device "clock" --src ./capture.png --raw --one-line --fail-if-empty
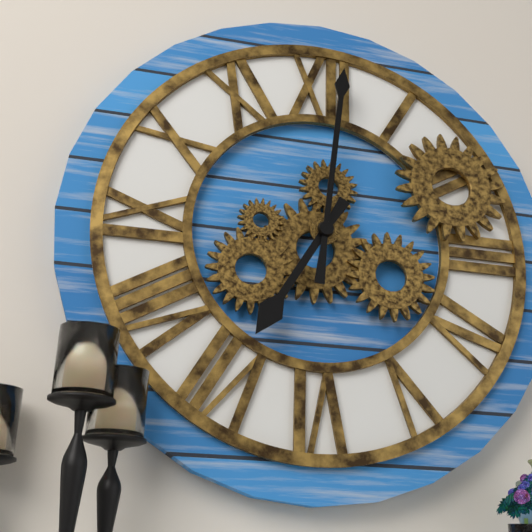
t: 7:01
